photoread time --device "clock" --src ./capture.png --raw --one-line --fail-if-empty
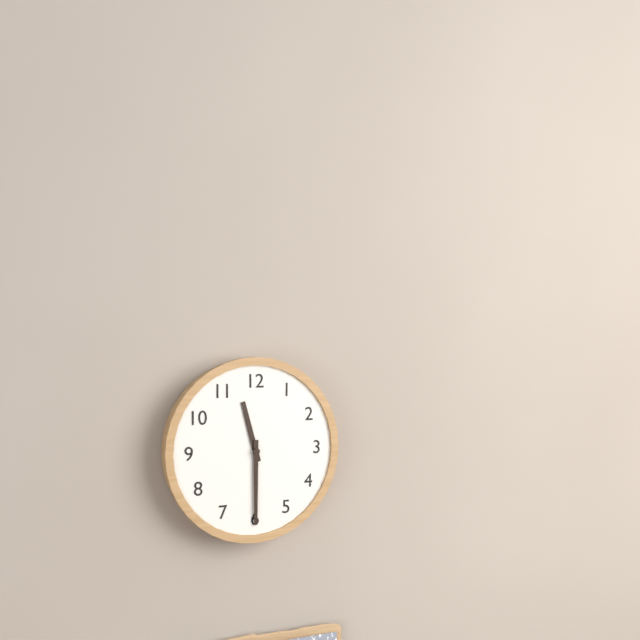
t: 11:30
